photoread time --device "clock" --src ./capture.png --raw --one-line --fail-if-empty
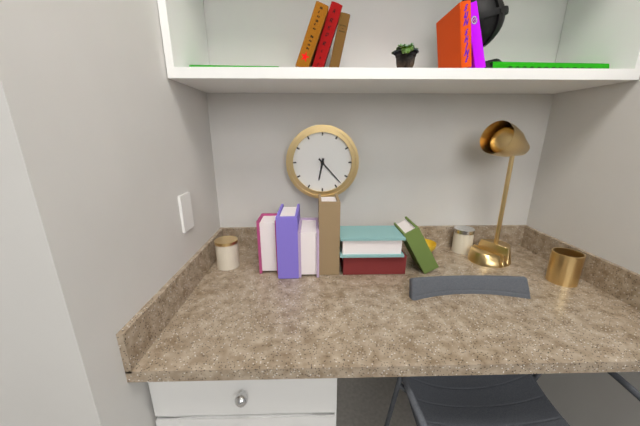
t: 6:23
